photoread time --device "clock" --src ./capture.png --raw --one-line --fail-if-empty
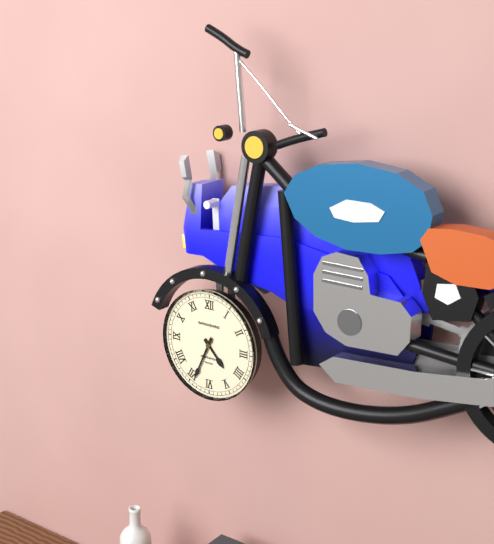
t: 4:34
